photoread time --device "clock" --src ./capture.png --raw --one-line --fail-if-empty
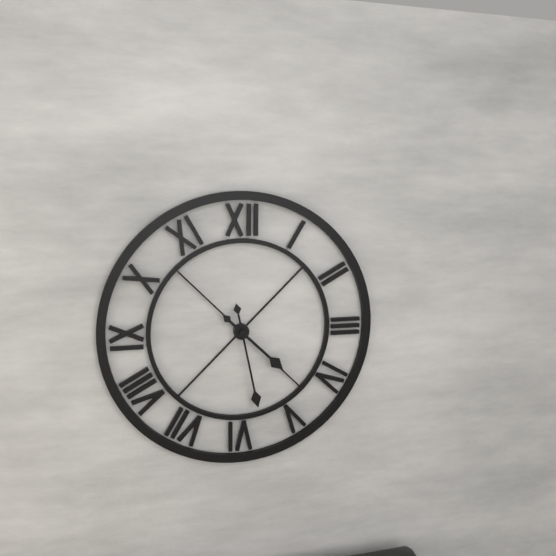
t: 4:28
